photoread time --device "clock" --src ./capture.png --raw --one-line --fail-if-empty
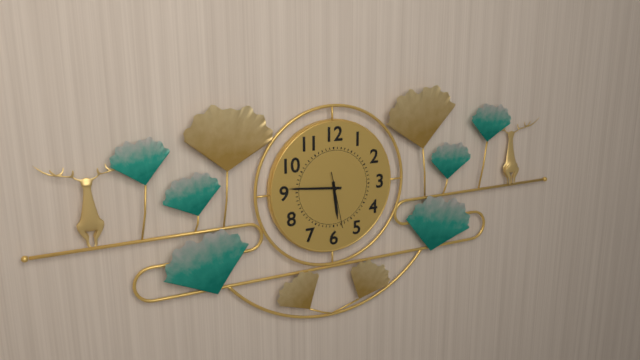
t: 5:46:28
